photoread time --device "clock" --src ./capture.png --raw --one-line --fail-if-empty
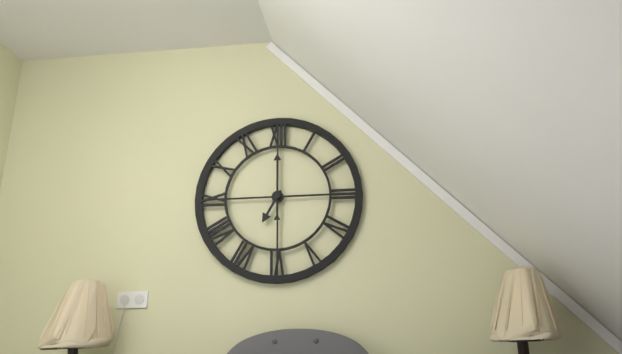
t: 7:00
